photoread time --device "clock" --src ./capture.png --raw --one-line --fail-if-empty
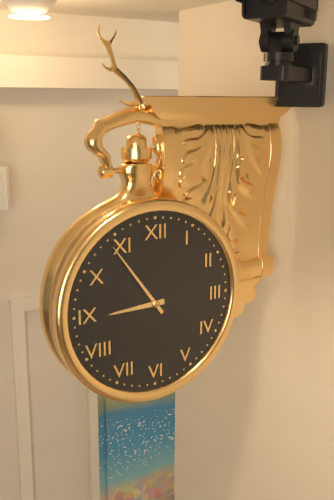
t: 8:54
